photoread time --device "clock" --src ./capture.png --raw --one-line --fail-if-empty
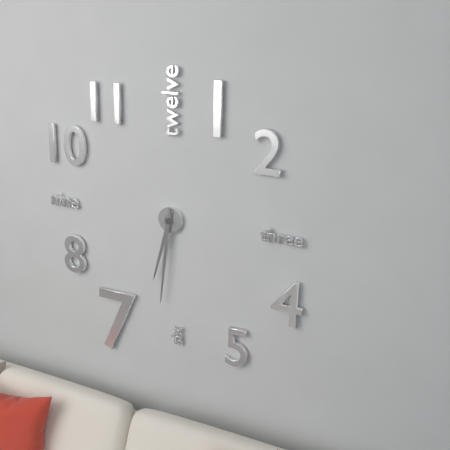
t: 6:31
